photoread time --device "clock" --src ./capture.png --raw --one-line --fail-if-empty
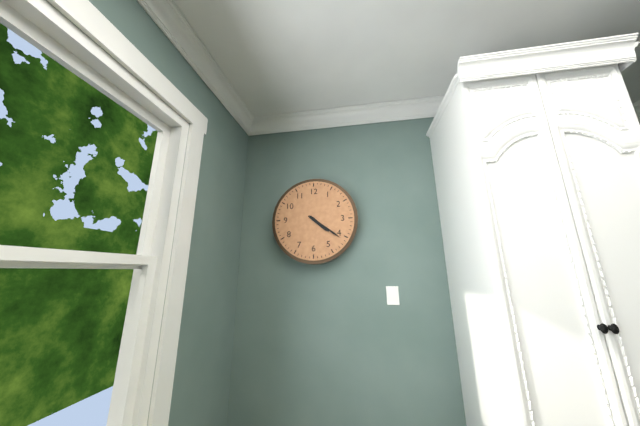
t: 4:21
